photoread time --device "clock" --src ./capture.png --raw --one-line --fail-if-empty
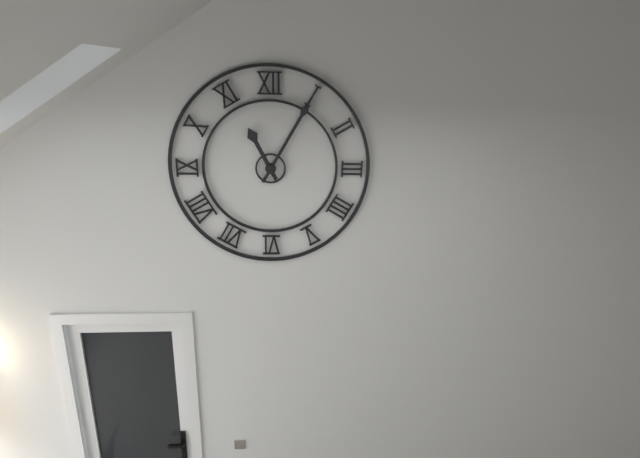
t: 11:05
